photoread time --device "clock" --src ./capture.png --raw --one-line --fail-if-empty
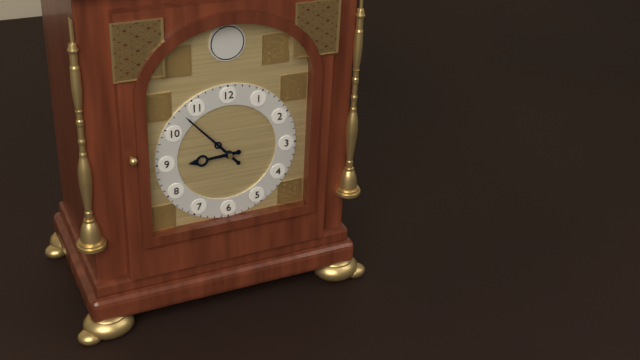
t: 8:53
